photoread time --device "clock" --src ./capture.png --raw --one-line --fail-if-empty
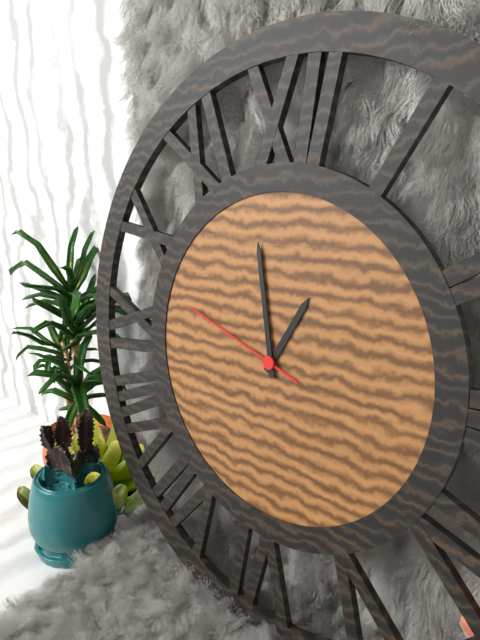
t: 12:58:48
